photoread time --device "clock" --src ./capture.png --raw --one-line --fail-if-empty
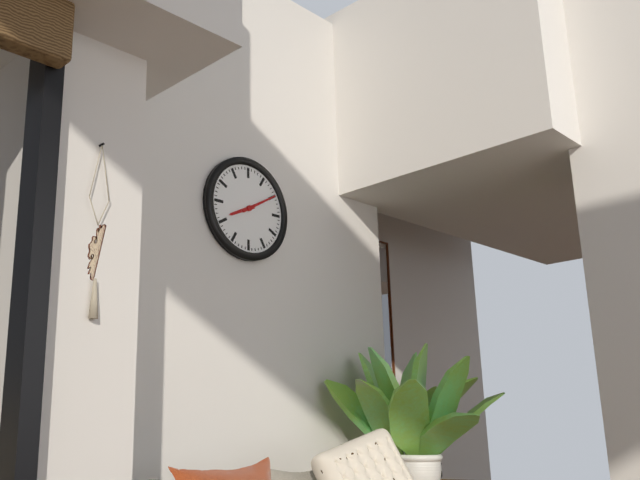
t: 8:10
